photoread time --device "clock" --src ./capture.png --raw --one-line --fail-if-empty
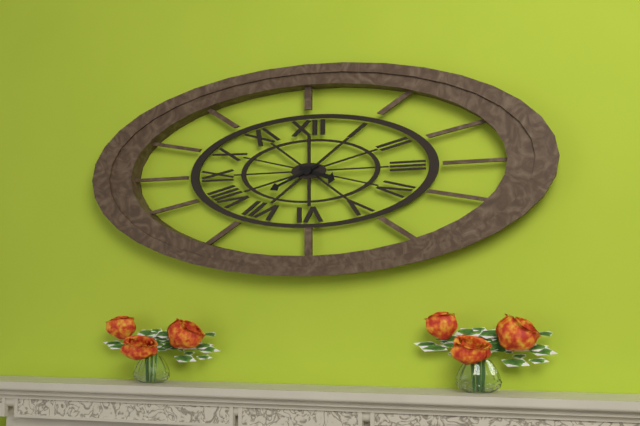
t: 3:41
